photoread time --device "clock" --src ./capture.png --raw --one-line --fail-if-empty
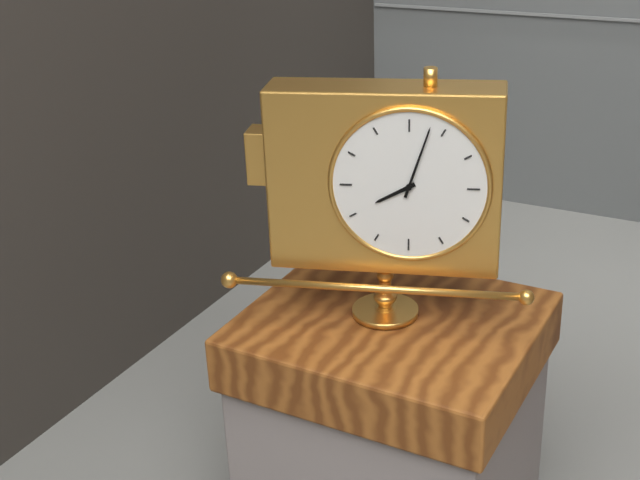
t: 8:03
